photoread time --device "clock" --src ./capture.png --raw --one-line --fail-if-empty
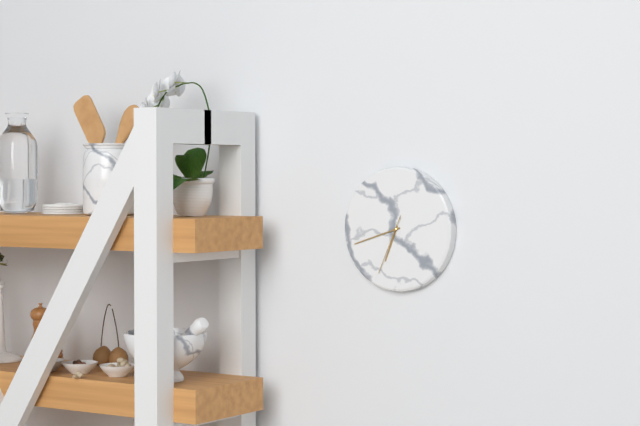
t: 6:42:34
